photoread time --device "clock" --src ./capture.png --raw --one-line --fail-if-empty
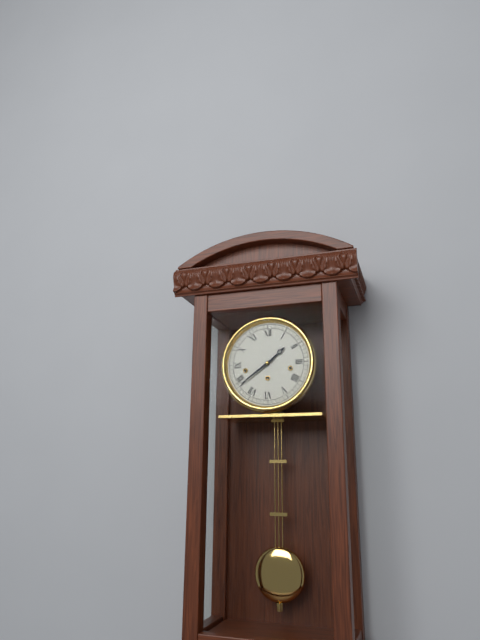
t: 1:39
